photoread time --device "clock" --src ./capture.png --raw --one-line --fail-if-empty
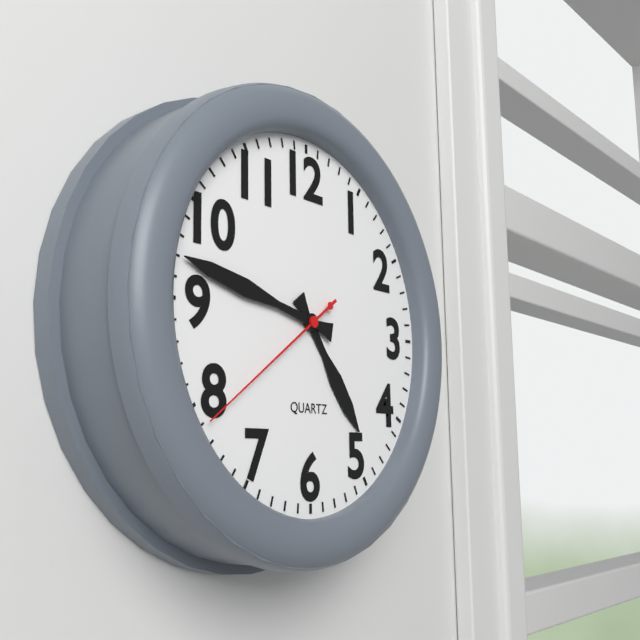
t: 4:47:39
